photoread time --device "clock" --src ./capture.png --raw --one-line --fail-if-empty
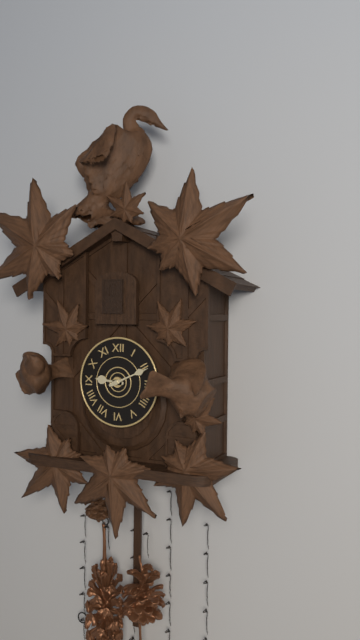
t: 9:11
